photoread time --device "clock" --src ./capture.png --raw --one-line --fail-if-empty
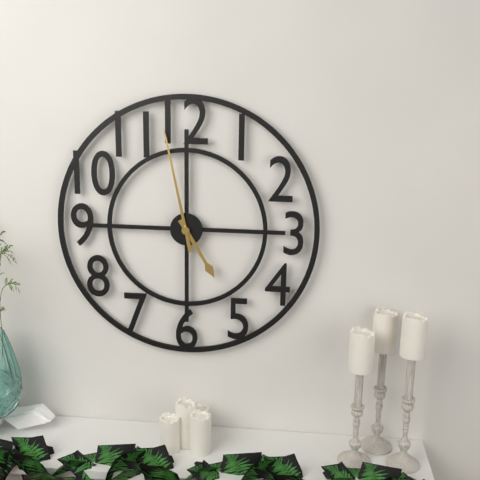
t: 4:58
